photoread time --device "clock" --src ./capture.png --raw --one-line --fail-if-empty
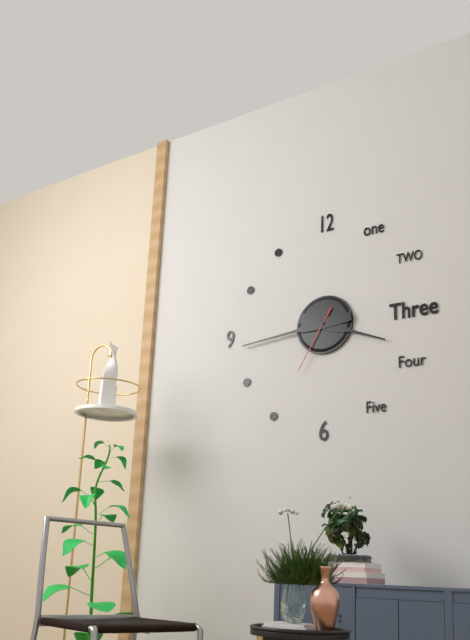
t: 3:44:35
